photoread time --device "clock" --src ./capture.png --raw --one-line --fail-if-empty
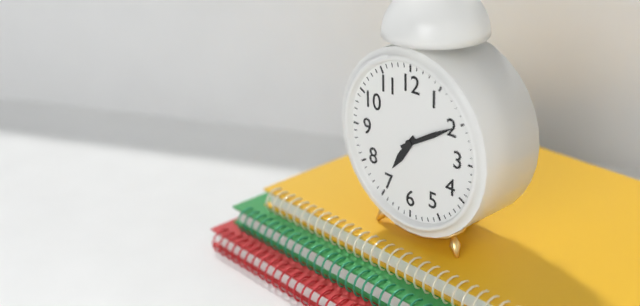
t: 7:10
